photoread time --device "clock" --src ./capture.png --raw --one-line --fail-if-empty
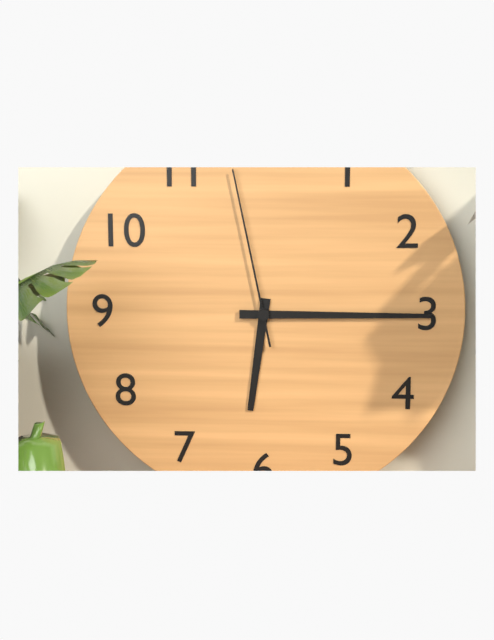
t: 6:15:58
